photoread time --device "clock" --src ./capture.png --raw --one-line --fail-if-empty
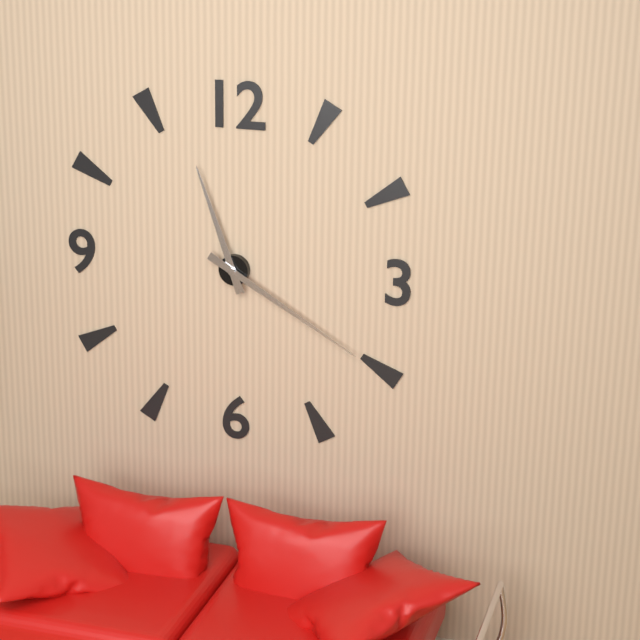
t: 11:20
